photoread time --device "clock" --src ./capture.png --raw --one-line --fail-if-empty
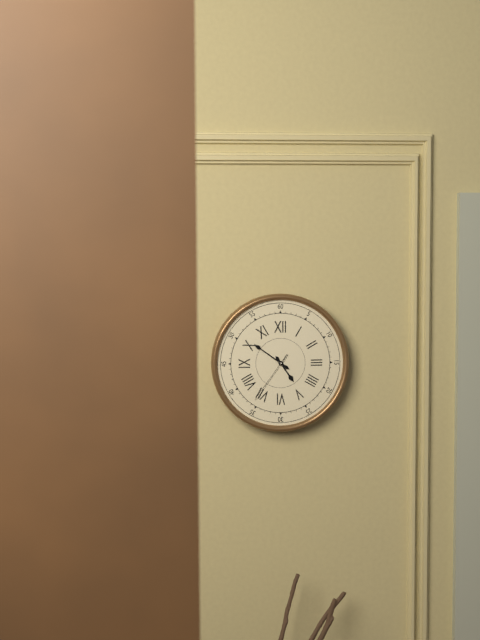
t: 4:51:36
